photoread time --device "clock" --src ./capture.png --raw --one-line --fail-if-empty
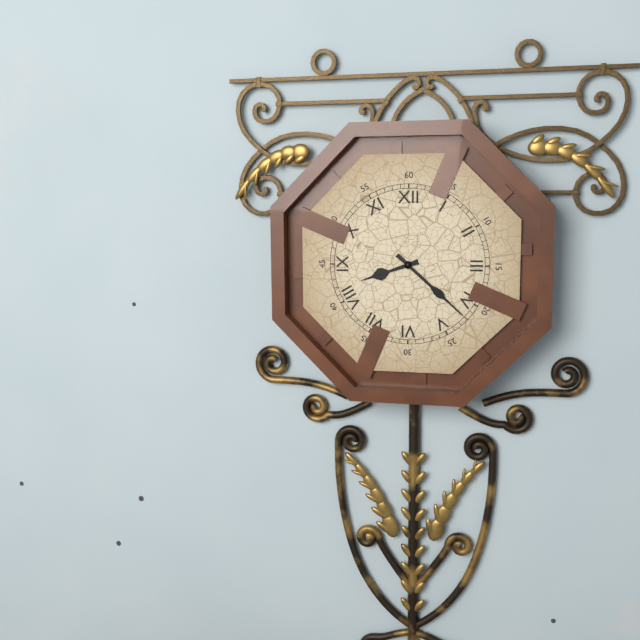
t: 8:22
